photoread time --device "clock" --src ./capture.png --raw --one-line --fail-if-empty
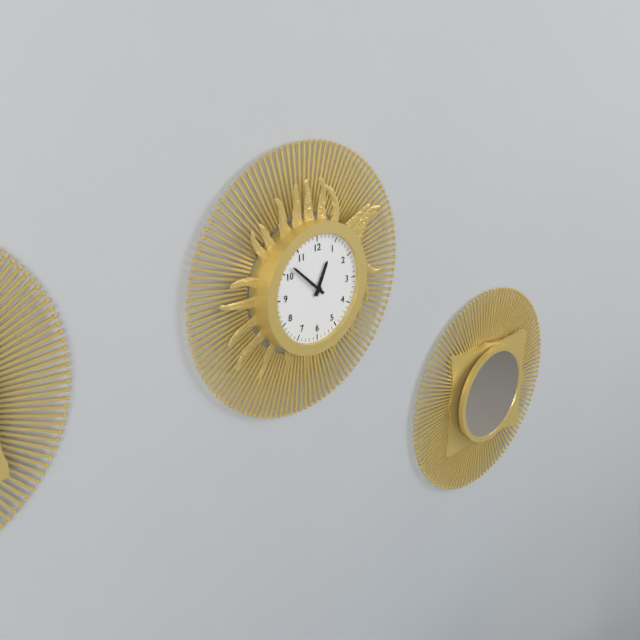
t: 12:52
